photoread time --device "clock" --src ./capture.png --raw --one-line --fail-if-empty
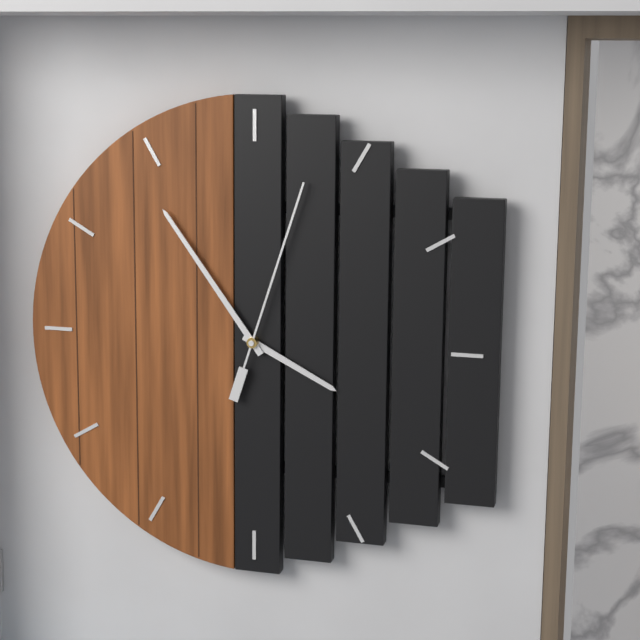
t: 3:54:03
